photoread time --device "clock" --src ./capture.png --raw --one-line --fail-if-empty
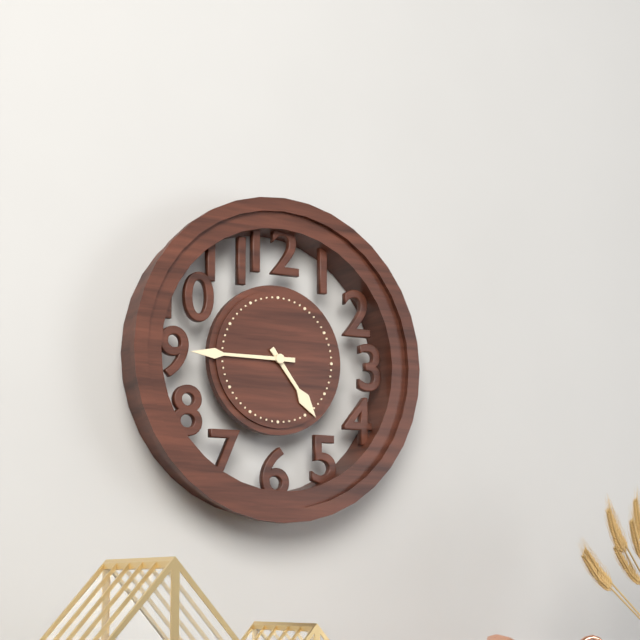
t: 4:45
